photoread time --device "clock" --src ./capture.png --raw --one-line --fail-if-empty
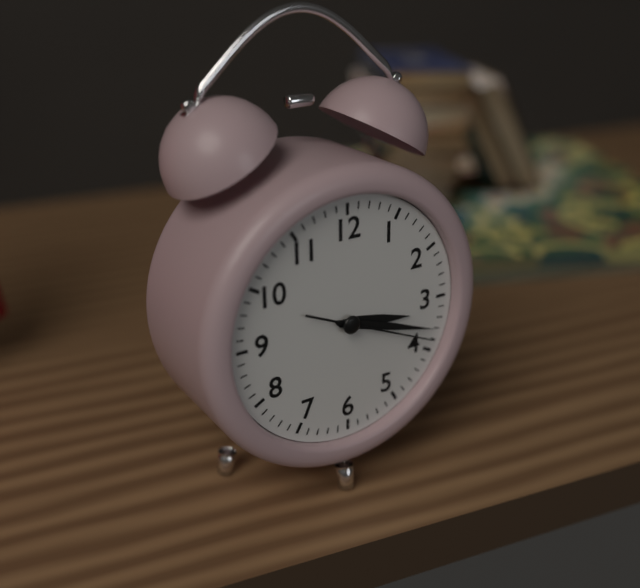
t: 3:18:19
